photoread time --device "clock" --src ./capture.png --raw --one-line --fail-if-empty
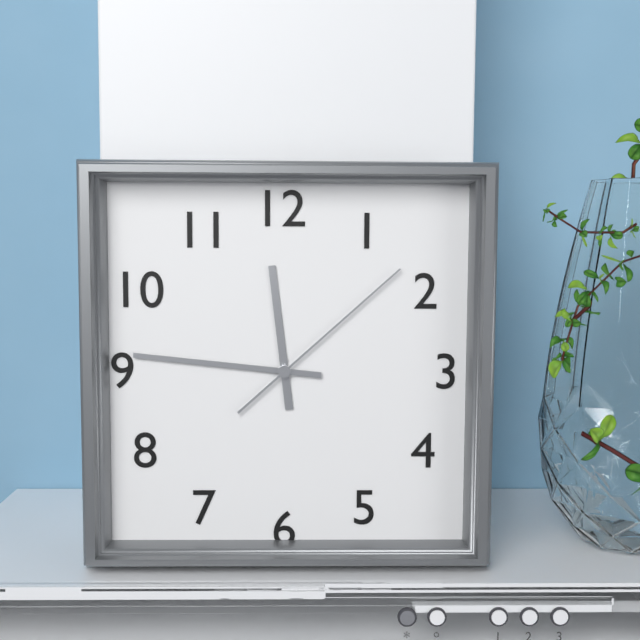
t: 11:46:08
